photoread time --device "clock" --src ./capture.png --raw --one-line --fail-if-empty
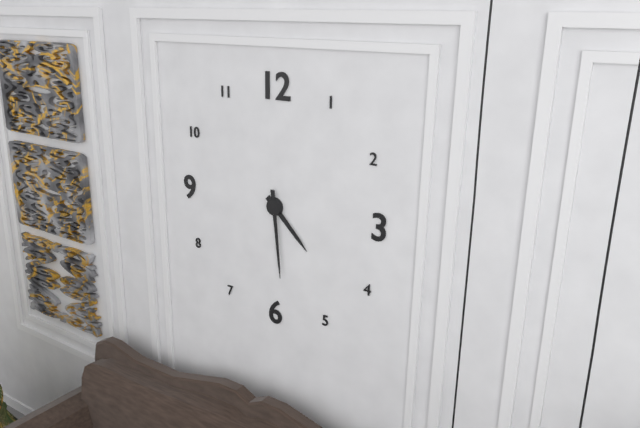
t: 4:29
